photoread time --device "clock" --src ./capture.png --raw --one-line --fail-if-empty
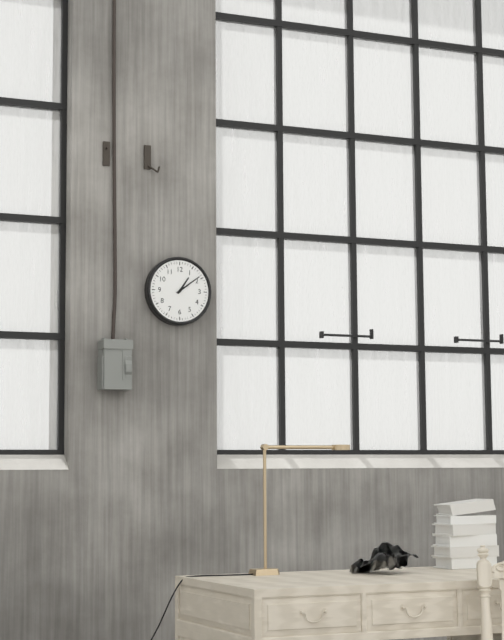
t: 1:09
